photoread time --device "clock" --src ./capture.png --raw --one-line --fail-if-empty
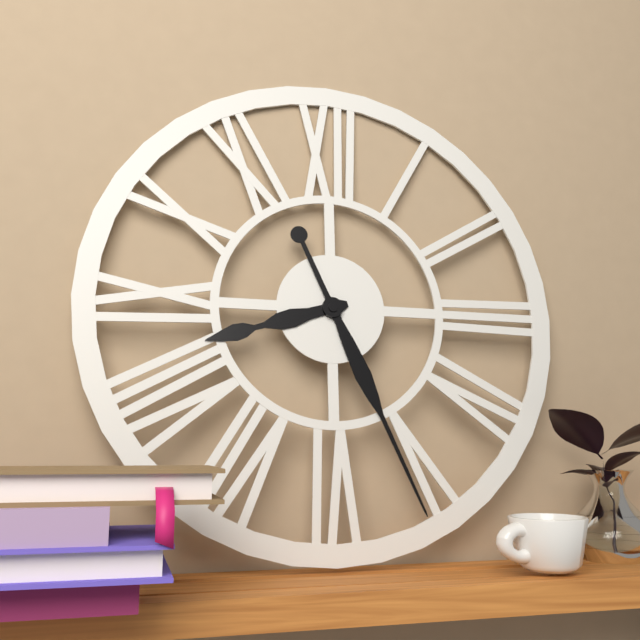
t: 8:26
